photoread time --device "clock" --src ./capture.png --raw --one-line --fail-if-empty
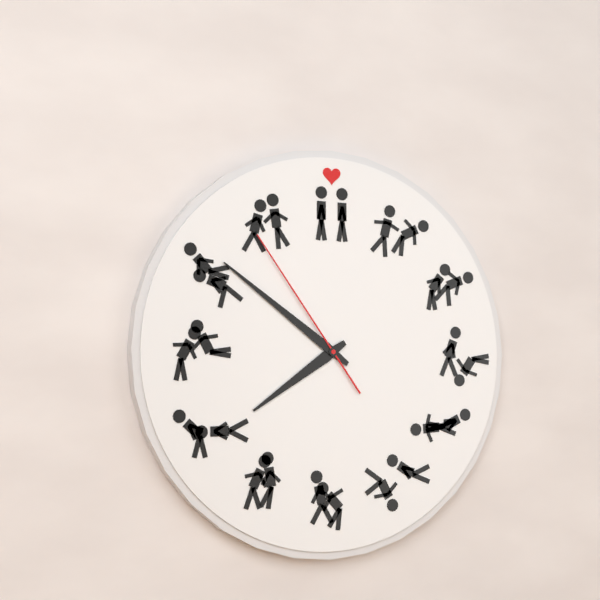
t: 7:51:54
